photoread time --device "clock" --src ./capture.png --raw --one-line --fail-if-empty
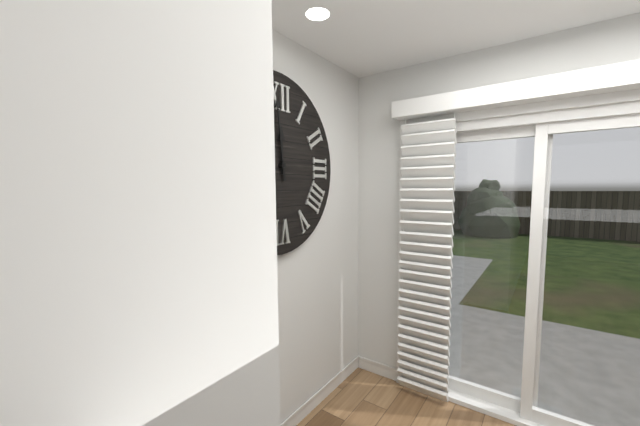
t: 11:59
